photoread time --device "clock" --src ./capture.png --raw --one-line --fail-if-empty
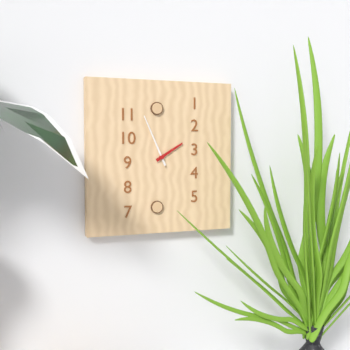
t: 1:56
